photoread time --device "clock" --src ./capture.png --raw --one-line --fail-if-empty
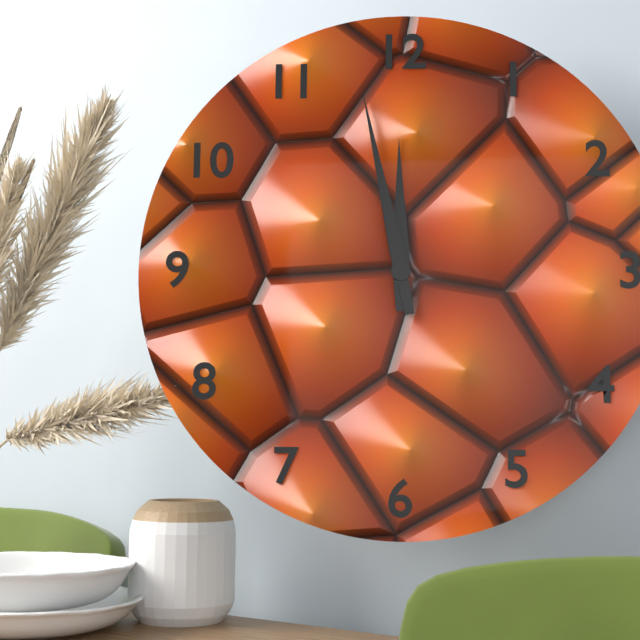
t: 11:58
